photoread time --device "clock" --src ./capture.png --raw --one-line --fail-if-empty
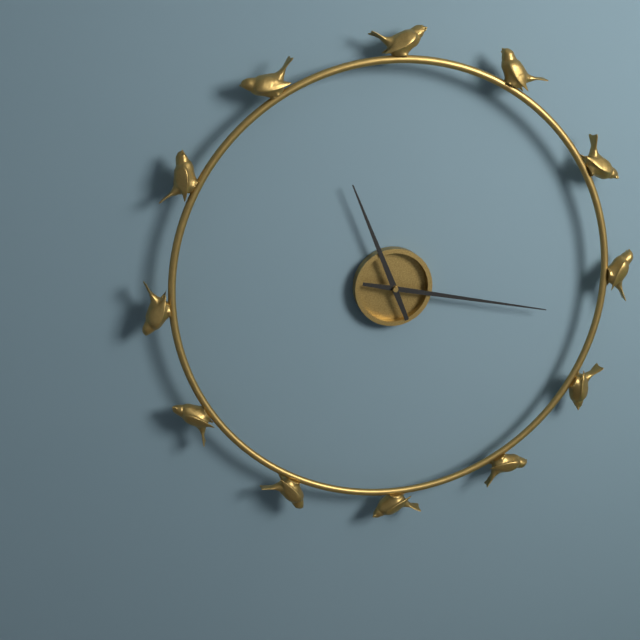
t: 11:17
